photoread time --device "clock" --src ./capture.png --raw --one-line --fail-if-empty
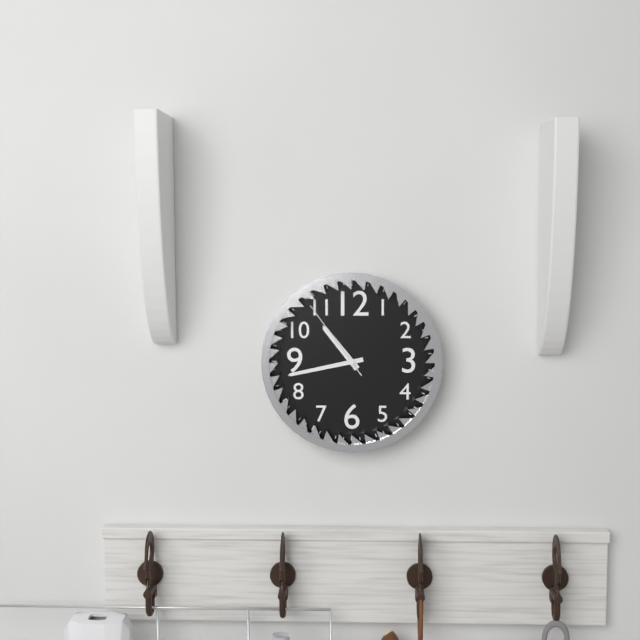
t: 10:43:54
